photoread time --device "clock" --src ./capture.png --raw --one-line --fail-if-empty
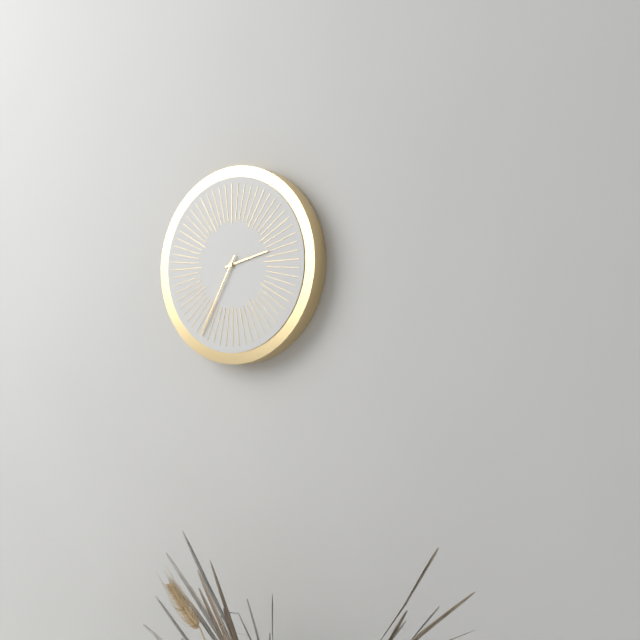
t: 2:35
